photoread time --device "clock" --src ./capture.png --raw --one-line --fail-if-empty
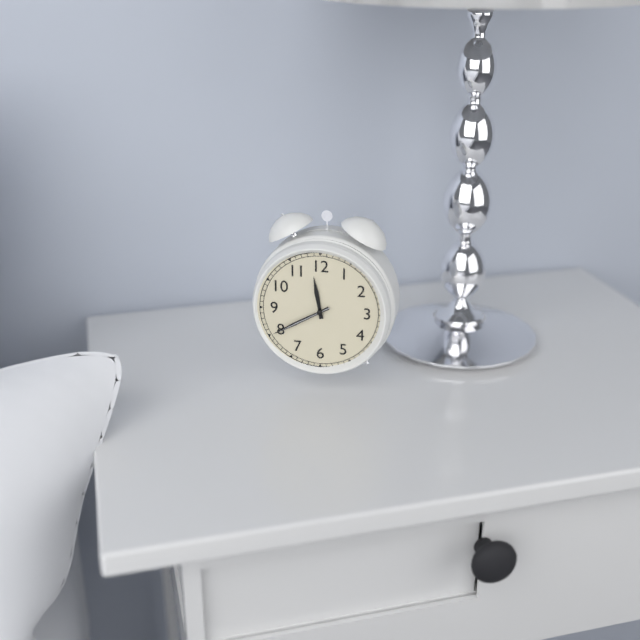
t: 11:40:40
